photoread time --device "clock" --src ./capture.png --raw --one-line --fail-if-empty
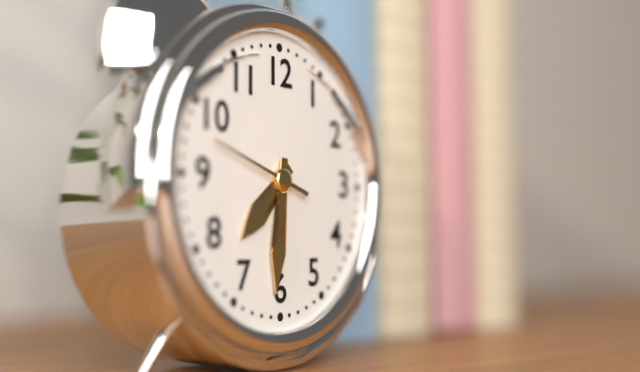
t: 7:31:48
